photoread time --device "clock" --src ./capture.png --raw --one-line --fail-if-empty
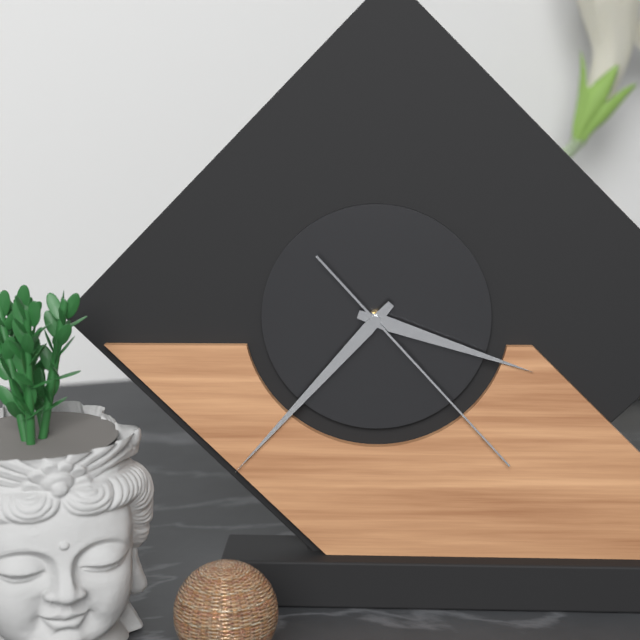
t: 3:37:23
